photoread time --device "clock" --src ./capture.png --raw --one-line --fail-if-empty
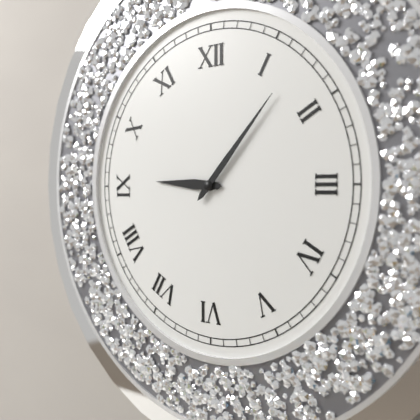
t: 9:07
